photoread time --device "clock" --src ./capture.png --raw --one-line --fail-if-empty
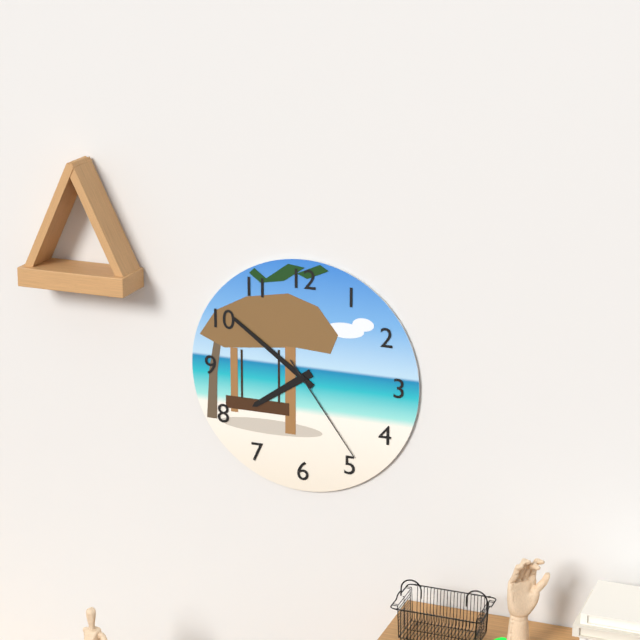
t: 7:51:24
